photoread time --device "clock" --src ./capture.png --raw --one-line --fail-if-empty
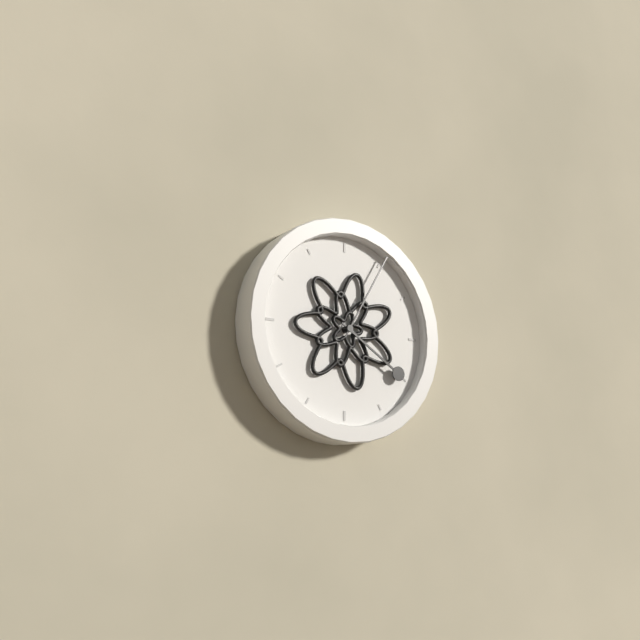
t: 4:05
